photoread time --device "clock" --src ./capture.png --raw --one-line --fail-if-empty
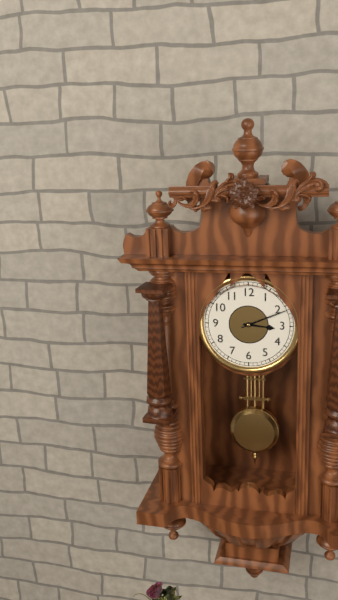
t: 3:11
